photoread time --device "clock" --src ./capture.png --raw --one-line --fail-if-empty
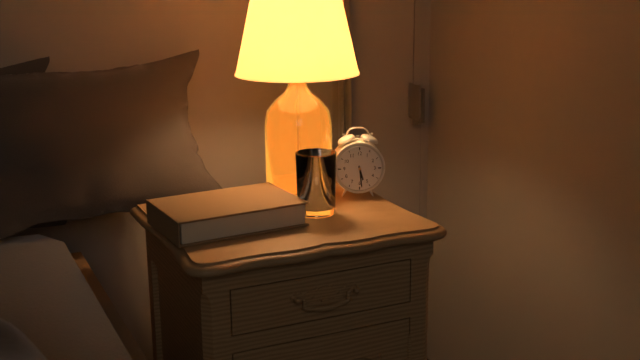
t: 5:29
